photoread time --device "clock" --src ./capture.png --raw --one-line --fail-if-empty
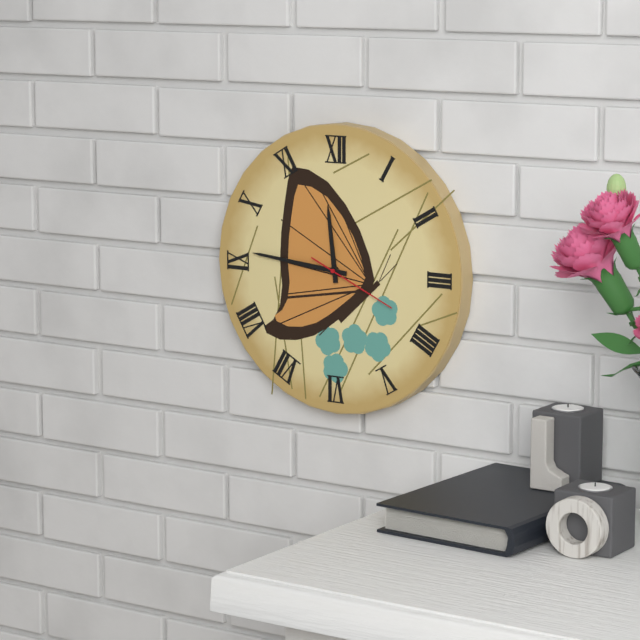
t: 11:46:19
